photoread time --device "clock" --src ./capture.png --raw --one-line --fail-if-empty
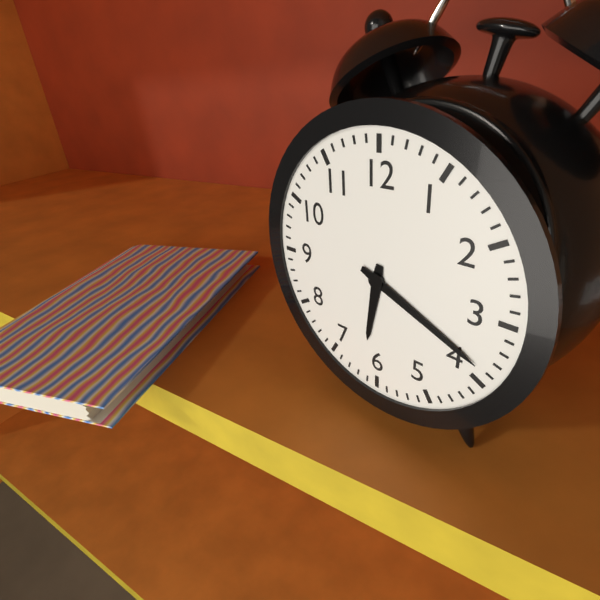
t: 6:19
